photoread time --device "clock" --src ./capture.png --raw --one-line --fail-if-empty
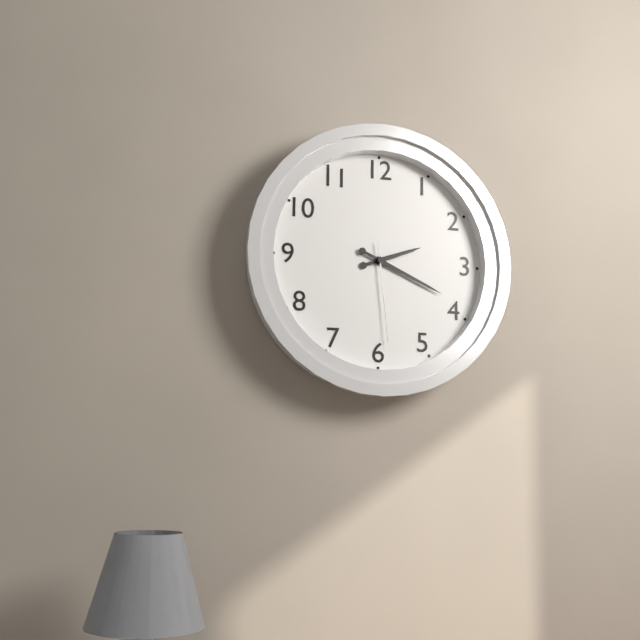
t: 2:19:29
